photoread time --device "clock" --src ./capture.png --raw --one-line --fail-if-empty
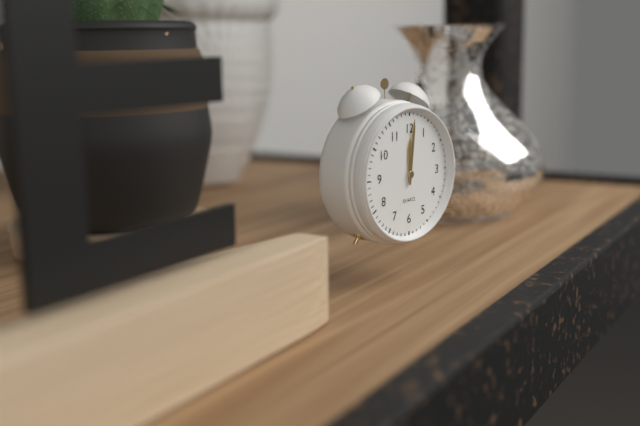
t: 12:01
